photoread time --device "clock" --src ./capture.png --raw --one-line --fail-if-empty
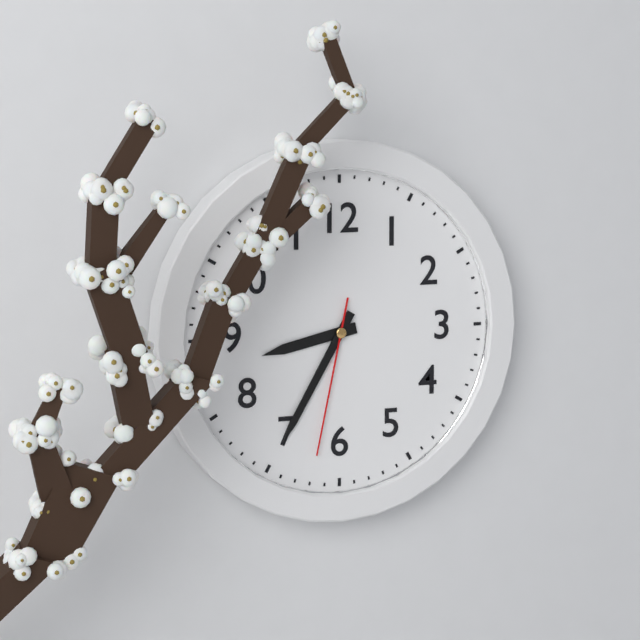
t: 8:35:32
